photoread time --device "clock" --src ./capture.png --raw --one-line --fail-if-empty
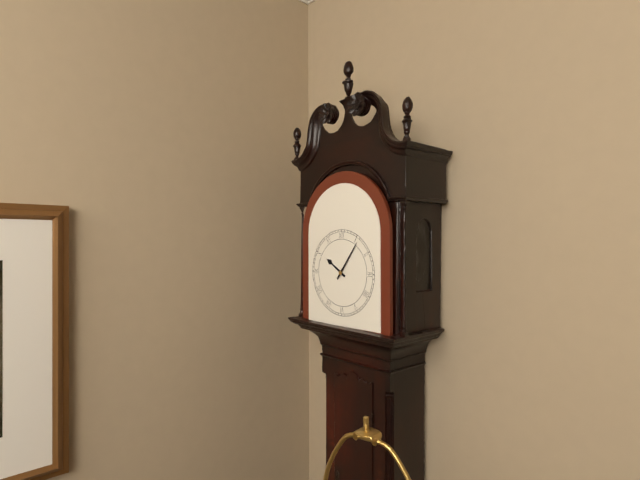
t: 10:06
